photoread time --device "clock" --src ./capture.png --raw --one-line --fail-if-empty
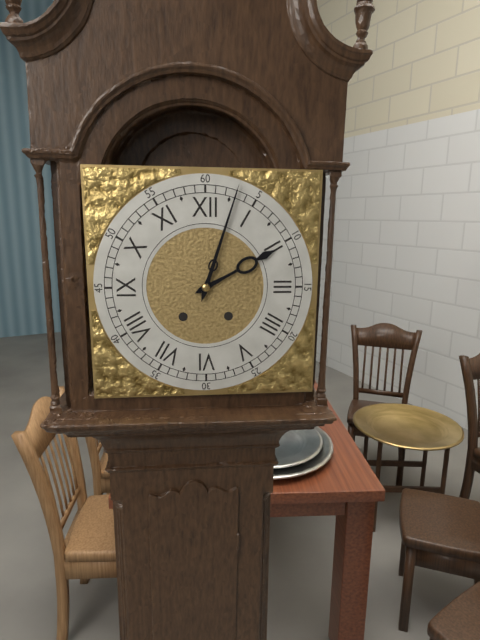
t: 2:03
